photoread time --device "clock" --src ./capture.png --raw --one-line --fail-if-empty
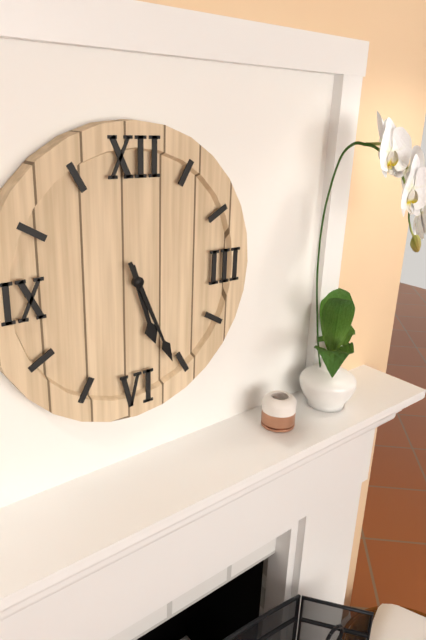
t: 5:26
